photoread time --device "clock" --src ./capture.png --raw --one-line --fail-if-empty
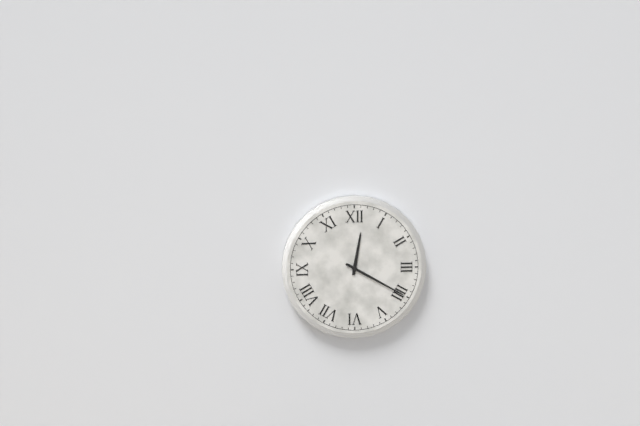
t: 12:20
